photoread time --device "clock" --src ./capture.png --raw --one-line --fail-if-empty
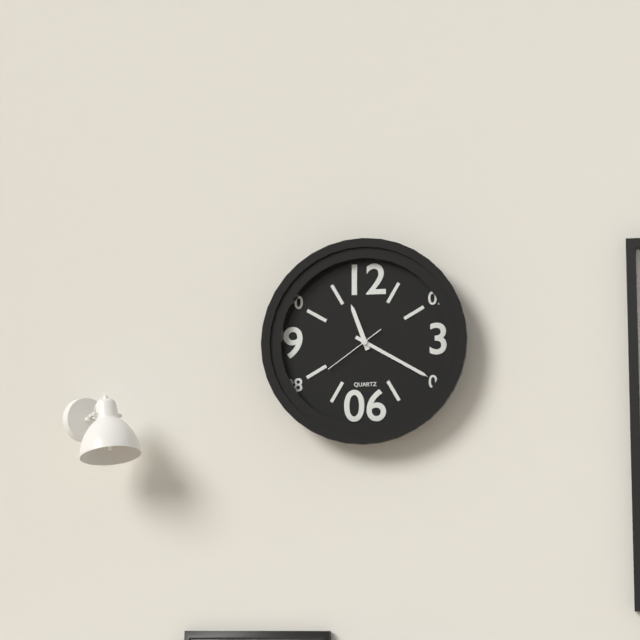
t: 11:20:39
